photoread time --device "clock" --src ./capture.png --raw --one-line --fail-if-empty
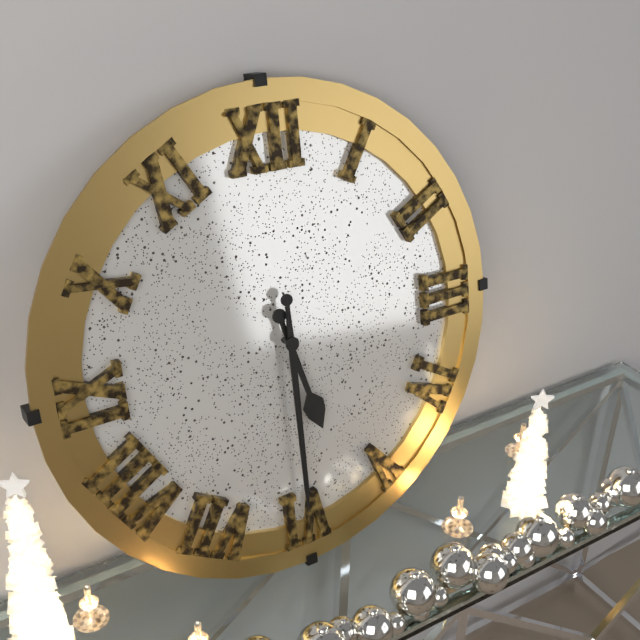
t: 5:30
